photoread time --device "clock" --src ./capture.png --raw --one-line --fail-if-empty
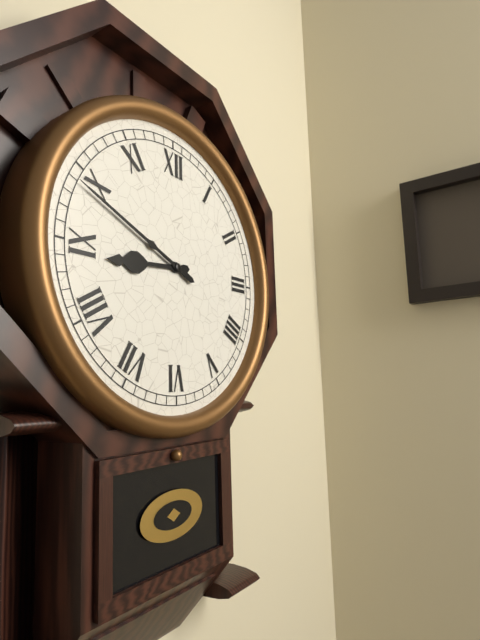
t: 8:49
